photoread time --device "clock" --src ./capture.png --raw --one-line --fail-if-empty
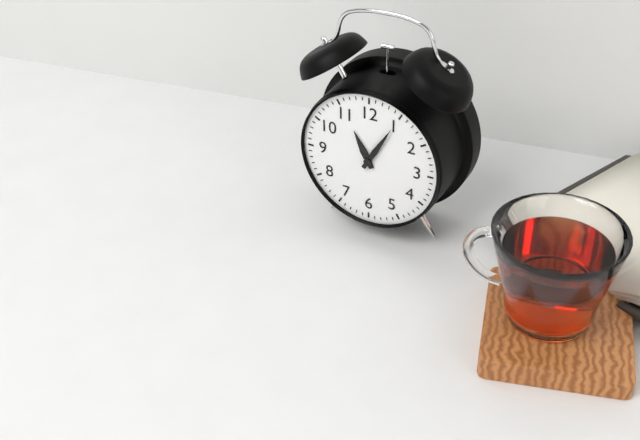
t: 11:05
